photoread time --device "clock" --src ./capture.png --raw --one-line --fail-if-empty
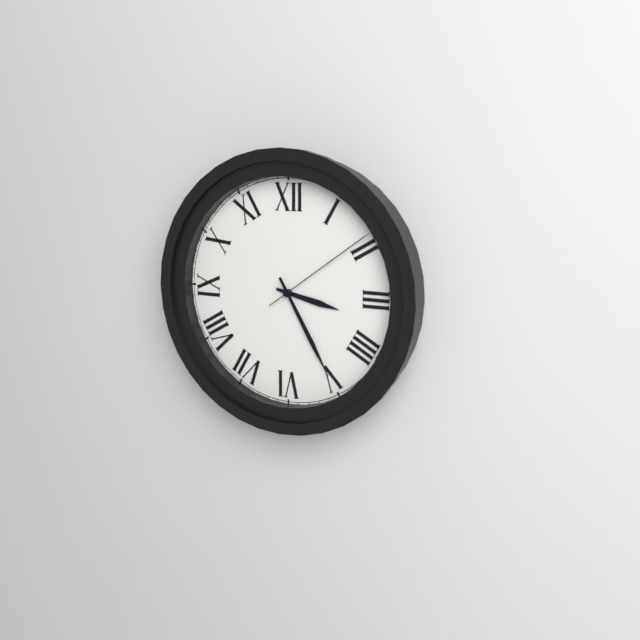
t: 3:25:09
